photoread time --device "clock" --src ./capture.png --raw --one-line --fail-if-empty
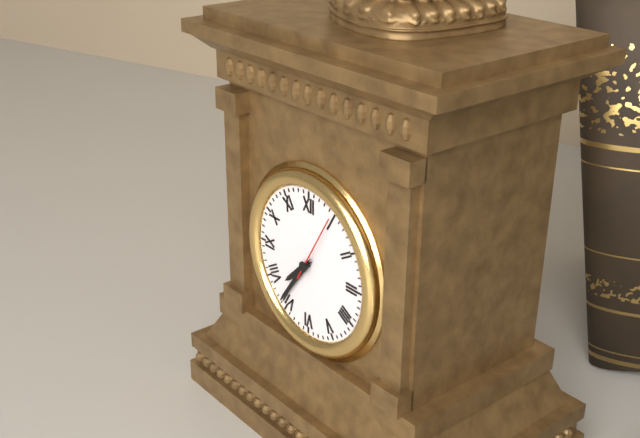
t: 7:36:05
